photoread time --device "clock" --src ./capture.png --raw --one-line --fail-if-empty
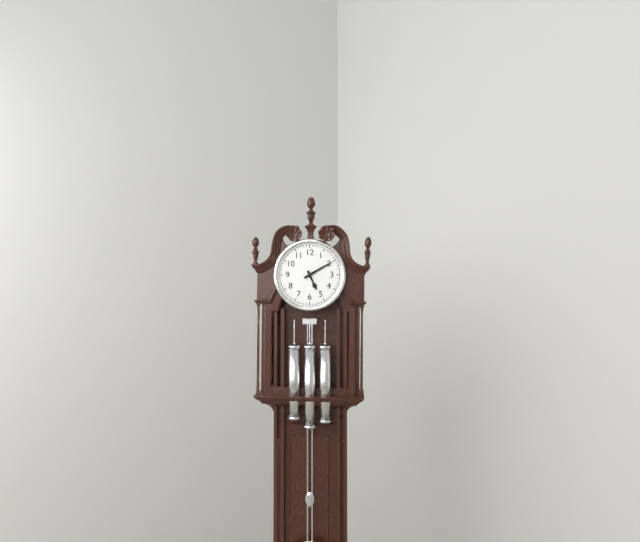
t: 5:10
